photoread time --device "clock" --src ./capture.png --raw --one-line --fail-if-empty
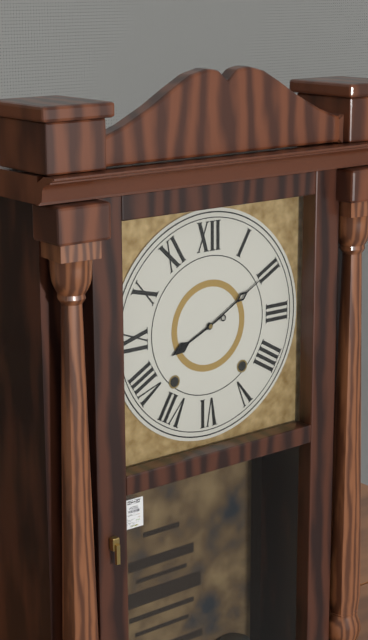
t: 8:10
